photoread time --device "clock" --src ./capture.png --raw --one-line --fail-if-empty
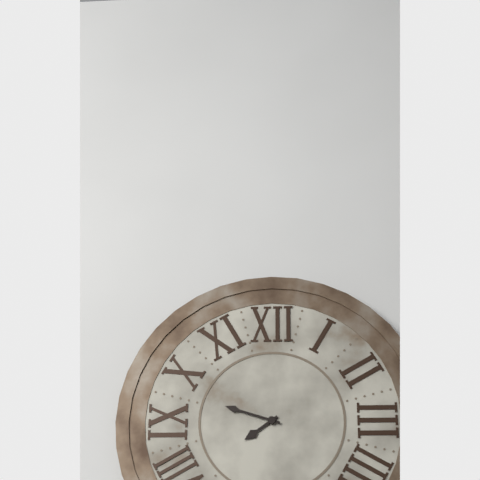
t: 7:48
